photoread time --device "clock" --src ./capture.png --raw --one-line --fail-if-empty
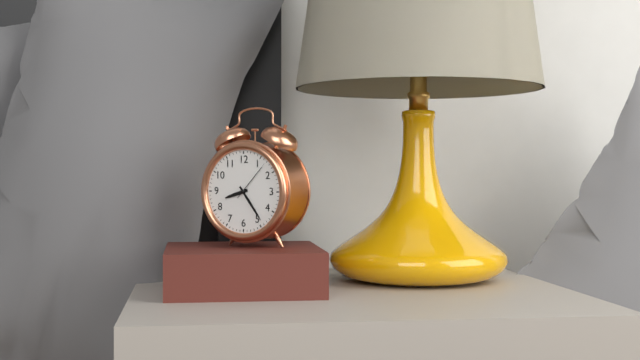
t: 8:24
